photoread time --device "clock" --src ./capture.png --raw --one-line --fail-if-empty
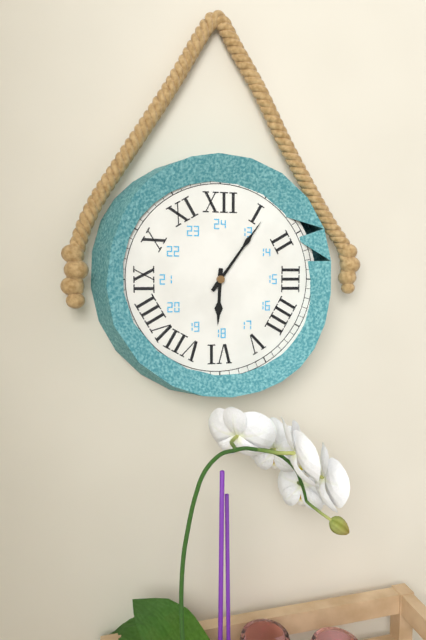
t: 6:06
